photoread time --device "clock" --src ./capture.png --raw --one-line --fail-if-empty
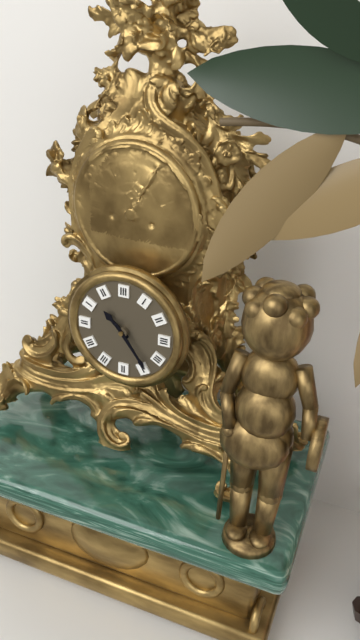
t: 10:24
